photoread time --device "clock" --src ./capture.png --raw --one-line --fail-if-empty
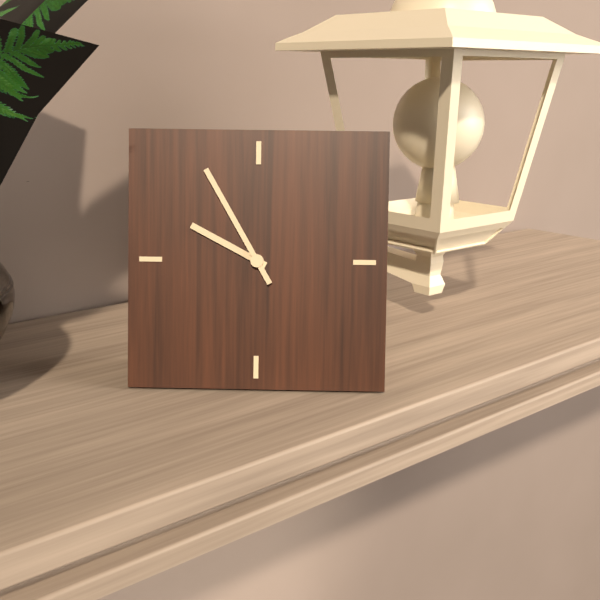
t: 9:55
